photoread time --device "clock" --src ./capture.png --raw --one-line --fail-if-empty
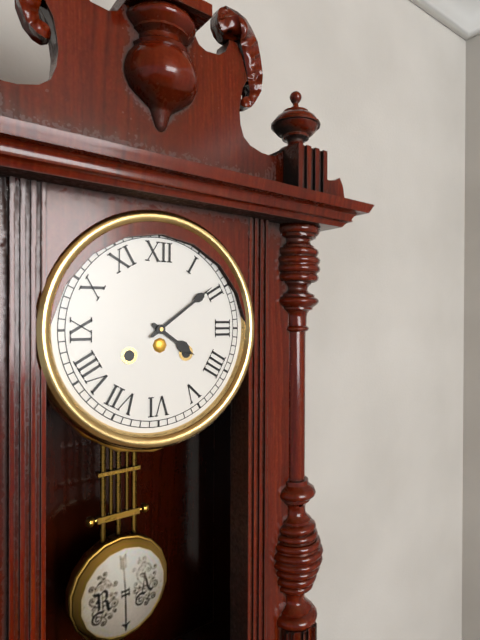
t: 4:09
